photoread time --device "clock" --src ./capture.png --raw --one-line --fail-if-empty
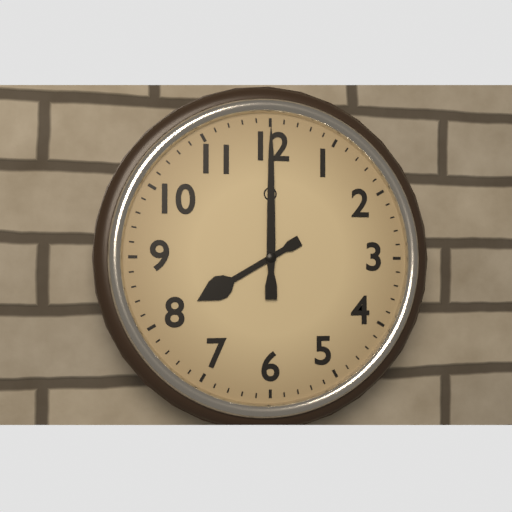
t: 8:00
